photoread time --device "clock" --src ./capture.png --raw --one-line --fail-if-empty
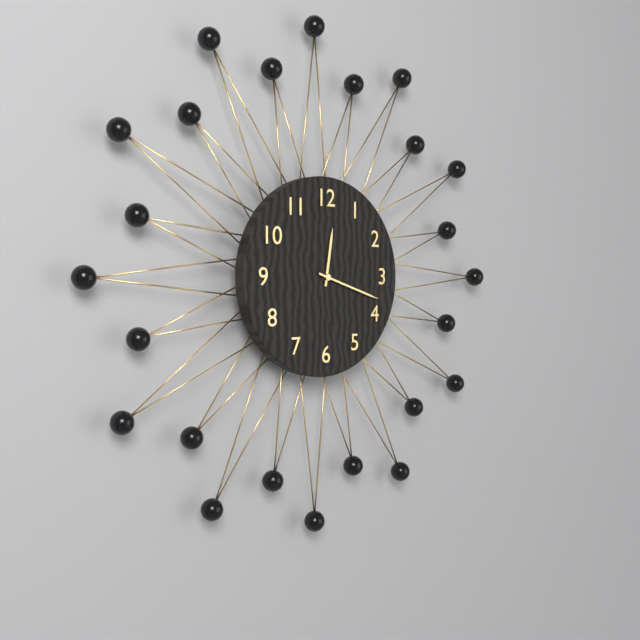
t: 12:18
